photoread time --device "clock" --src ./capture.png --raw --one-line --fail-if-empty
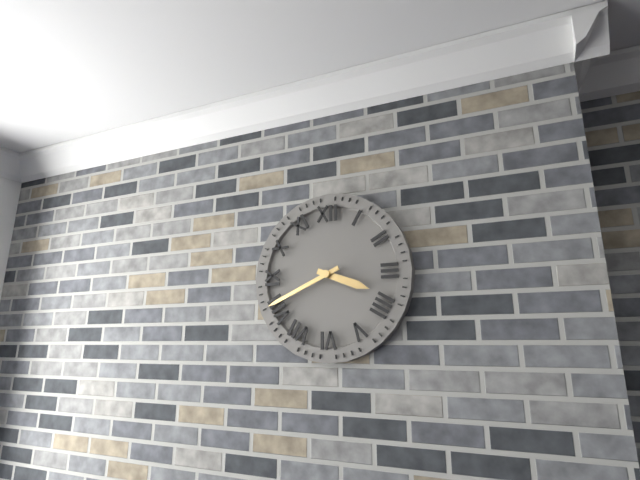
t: 3:41
